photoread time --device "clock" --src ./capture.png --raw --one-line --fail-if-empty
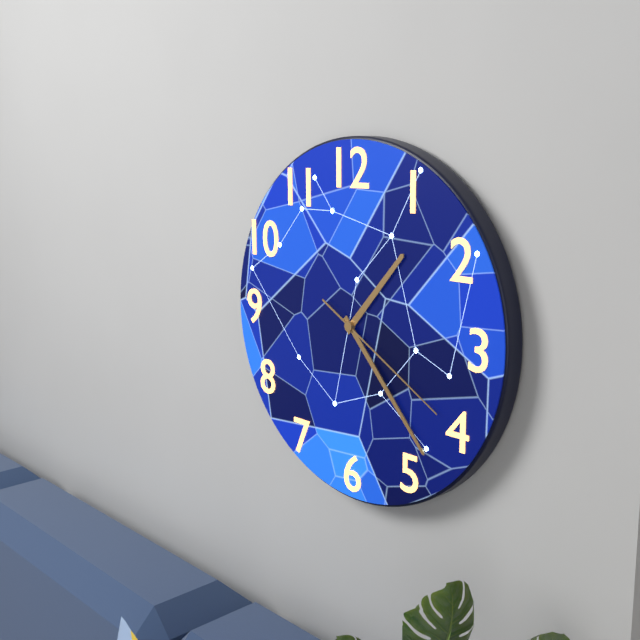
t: 1:23:20
